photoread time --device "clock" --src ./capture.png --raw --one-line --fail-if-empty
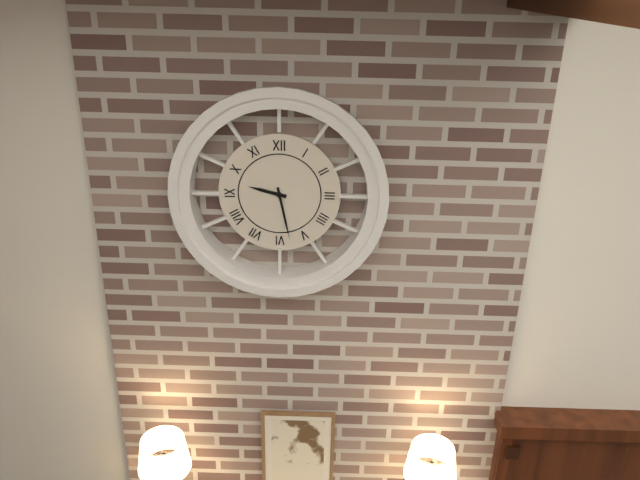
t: 9:28
